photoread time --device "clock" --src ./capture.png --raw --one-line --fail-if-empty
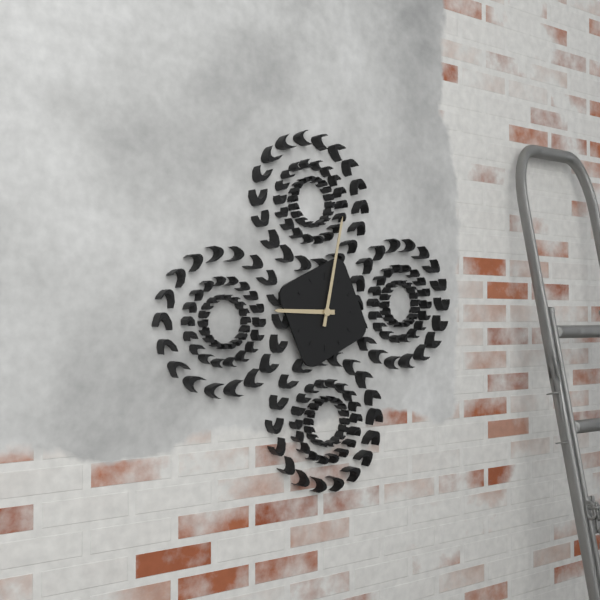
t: 9:02
